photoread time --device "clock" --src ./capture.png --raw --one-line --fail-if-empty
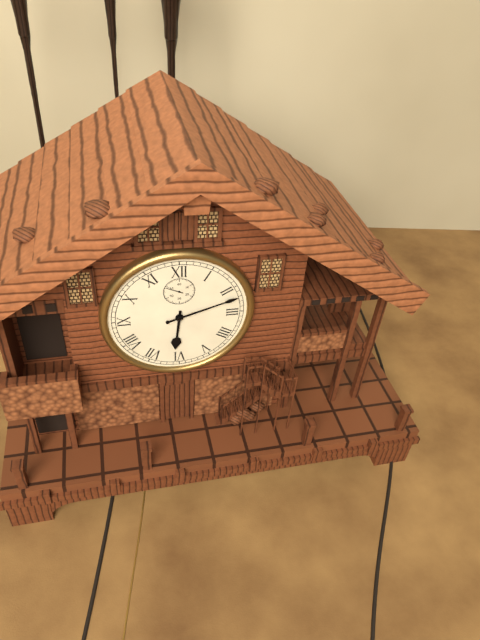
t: 6:12
